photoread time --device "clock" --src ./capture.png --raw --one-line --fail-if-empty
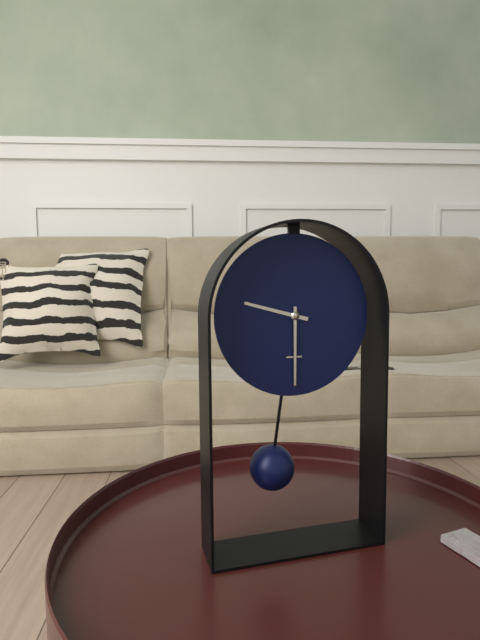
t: 9:30
